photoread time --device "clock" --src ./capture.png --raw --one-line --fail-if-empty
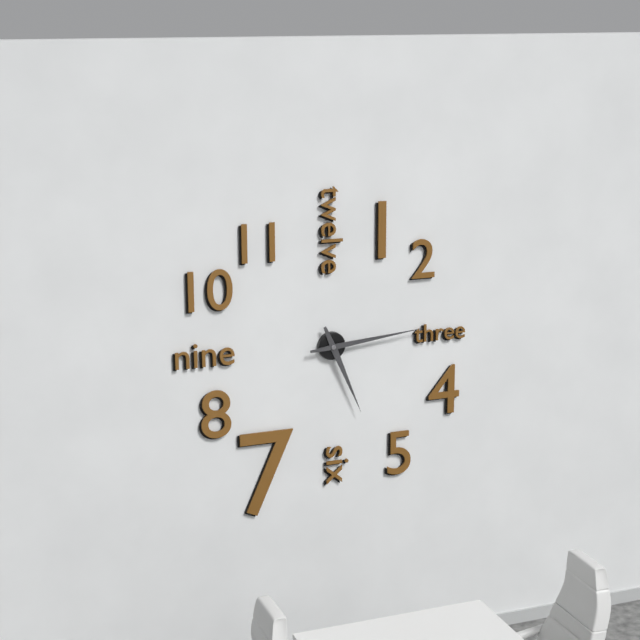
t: 5:14
